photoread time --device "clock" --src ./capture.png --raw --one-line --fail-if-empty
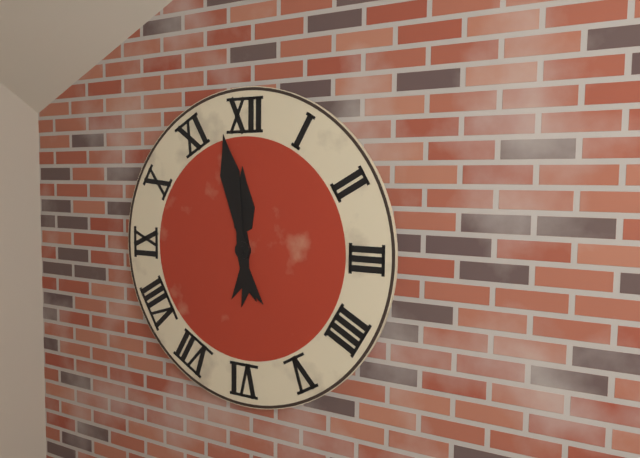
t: 11:58
